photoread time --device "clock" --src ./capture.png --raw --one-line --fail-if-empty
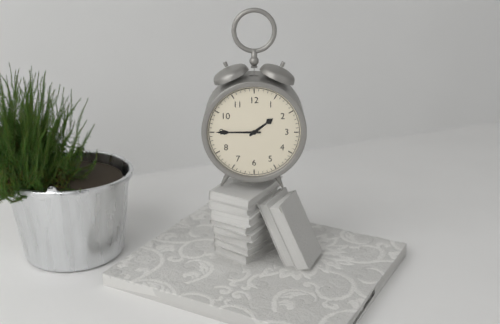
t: 1:45
